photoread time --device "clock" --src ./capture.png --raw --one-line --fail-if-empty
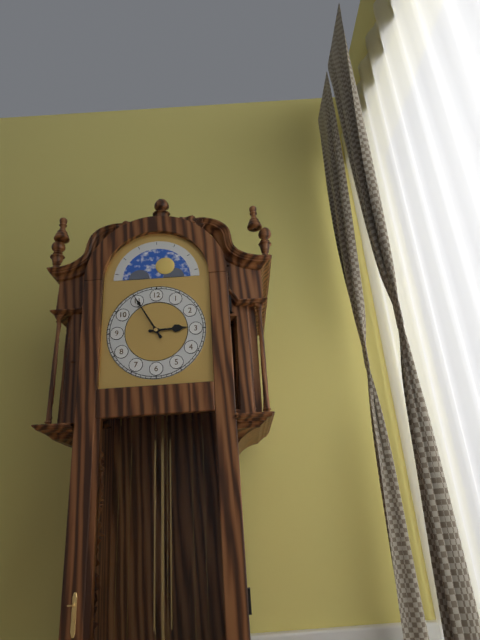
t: 2:55
